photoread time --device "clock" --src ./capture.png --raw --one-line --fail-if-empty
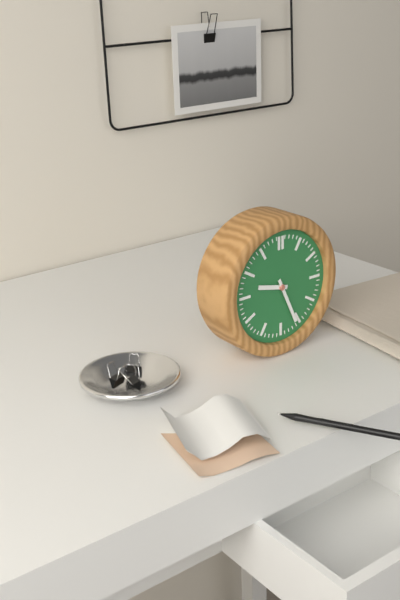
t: 9:26
